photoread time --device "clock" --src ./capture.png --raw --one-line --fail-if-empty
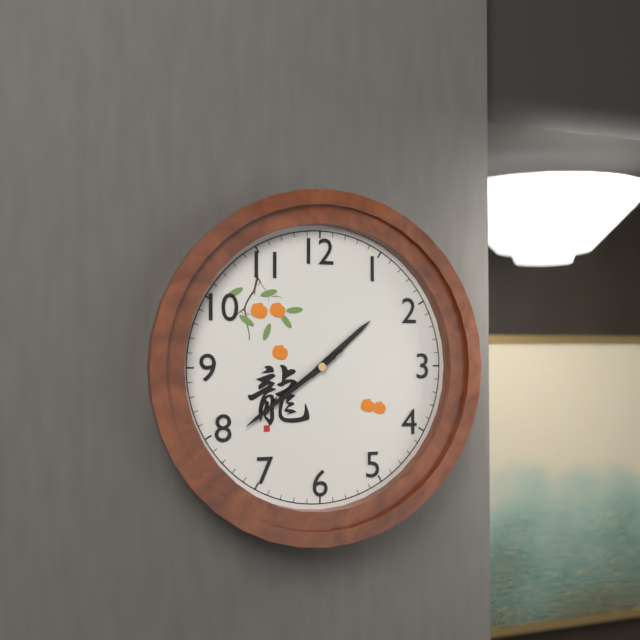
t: 1:39:39
